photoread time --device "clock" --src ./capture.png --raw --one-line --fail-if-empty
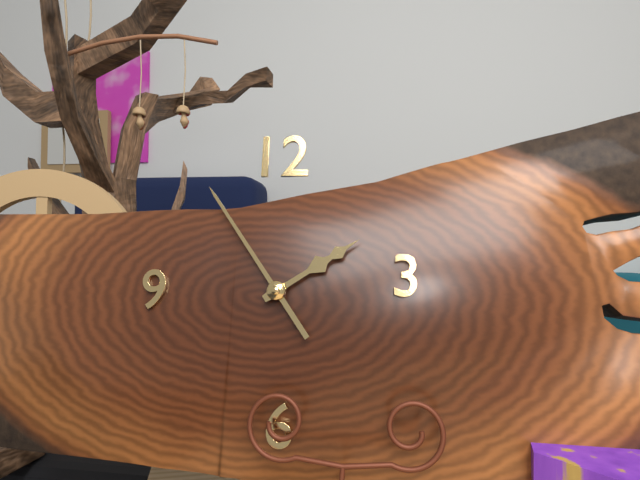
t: 1:54
